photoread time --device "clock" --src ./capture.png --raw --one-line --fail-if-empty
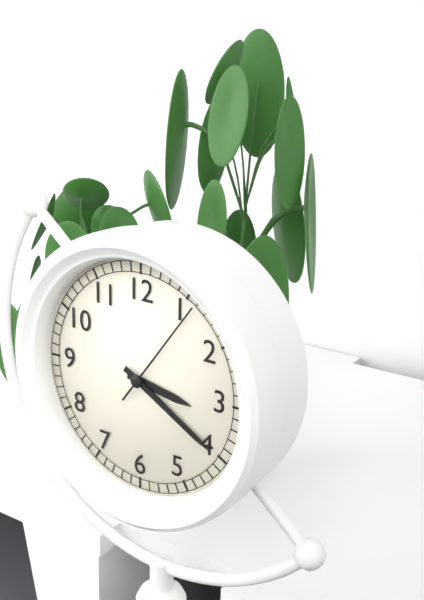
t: 3:20:06
